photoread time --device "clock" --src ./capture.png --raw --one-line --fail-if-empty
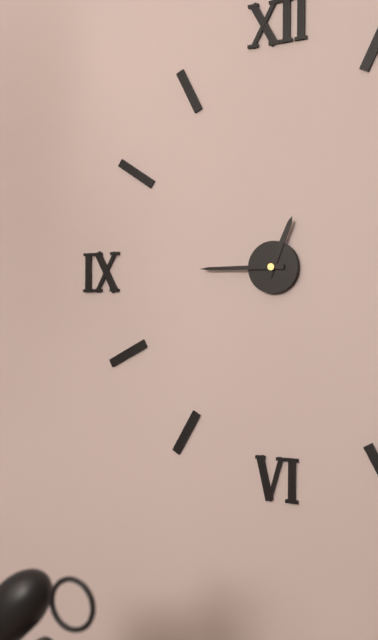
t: 12:45
